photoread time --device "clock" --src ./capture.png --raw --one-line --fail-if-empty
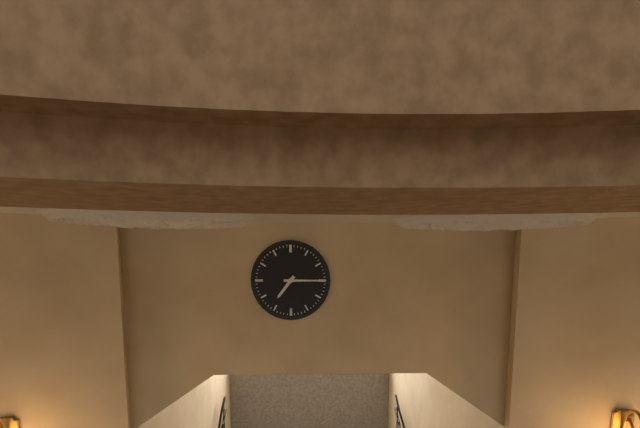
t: 7:15
